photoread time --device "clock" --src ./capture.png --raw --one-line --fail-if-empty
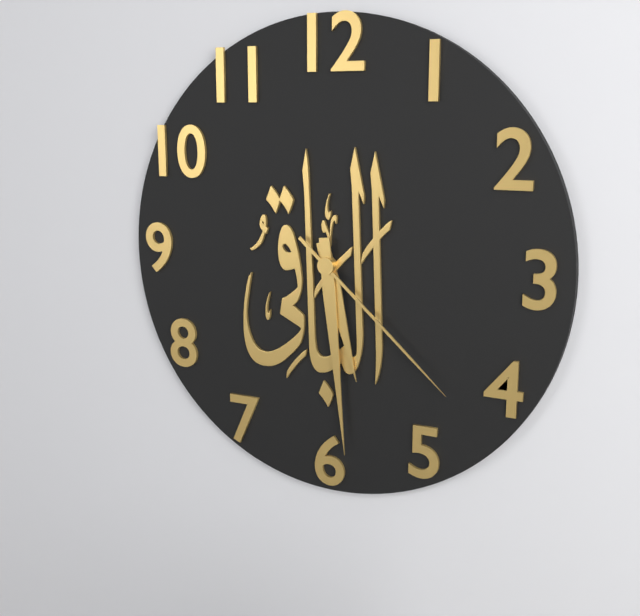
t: 5:29:22
